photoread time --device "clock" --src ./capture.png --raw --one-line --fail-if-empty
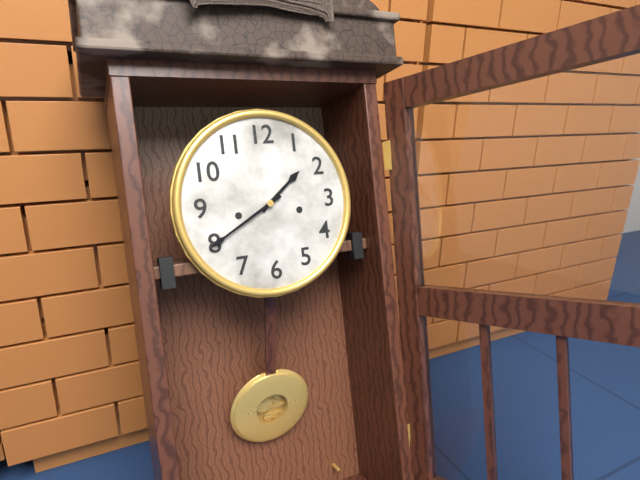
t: 1:40
